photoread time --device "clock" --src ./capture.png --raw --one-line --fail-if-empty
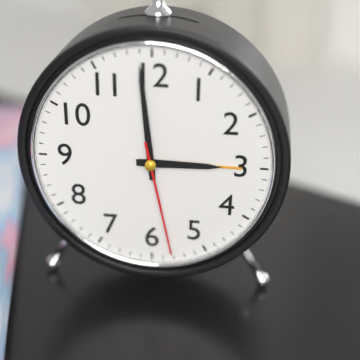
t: 2:59:28
